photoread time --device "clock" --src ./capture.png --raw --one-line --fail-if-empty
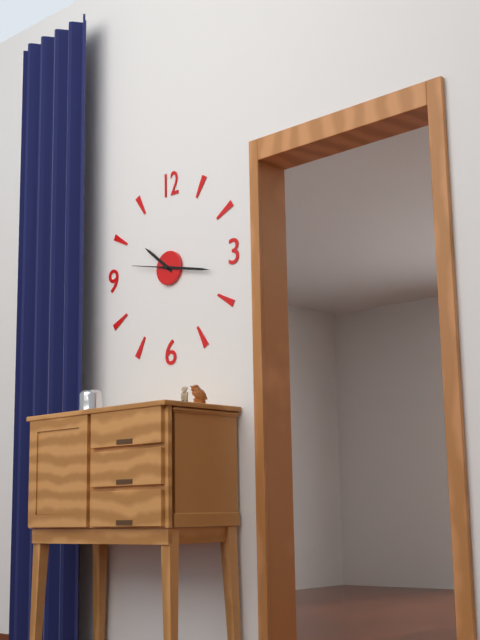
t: 10:17
